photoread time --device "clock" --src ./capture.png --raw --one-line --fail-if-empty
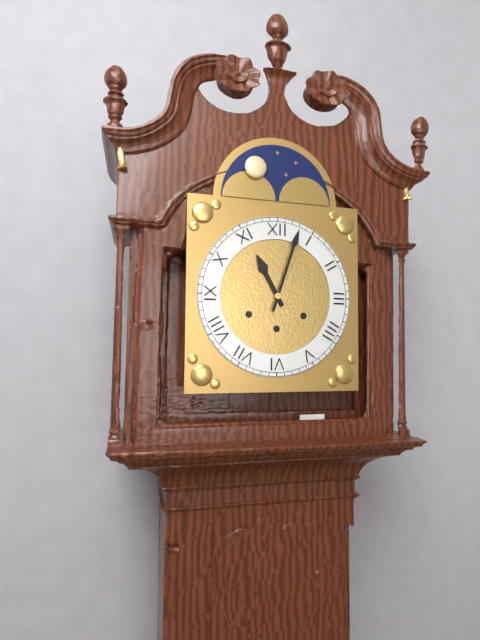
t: 11:03
